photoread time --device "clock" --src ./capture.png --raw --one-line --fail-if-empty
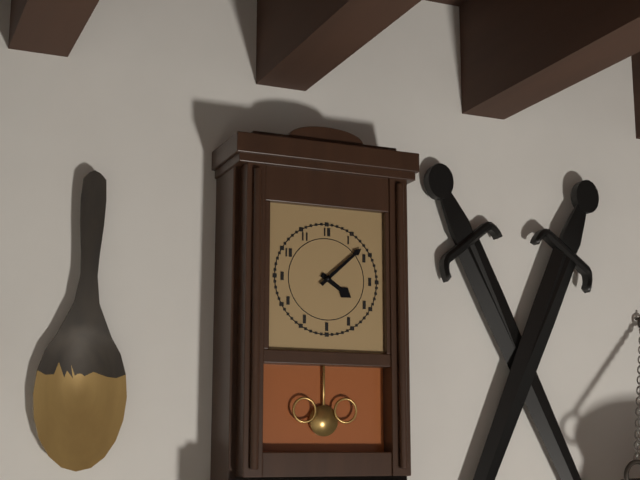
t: 4:08
